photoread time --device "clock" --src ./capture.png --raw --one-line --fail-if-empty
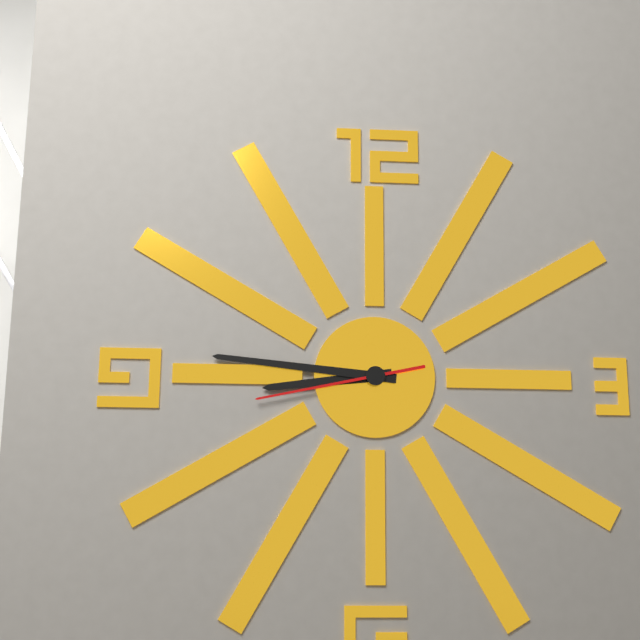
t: 8:46:43
